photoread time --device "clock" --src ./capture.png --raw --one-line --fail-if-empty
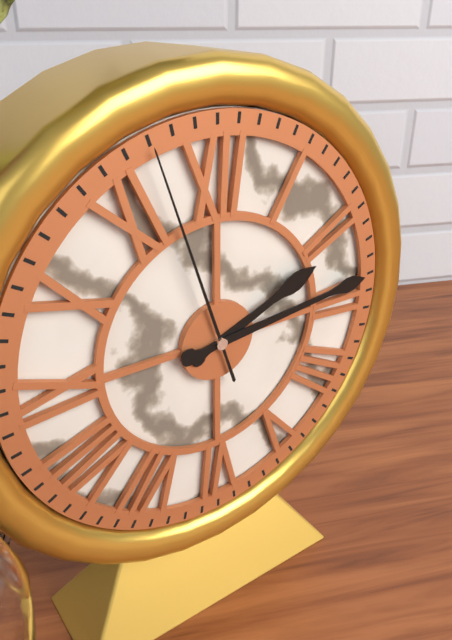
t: 2:14:57
